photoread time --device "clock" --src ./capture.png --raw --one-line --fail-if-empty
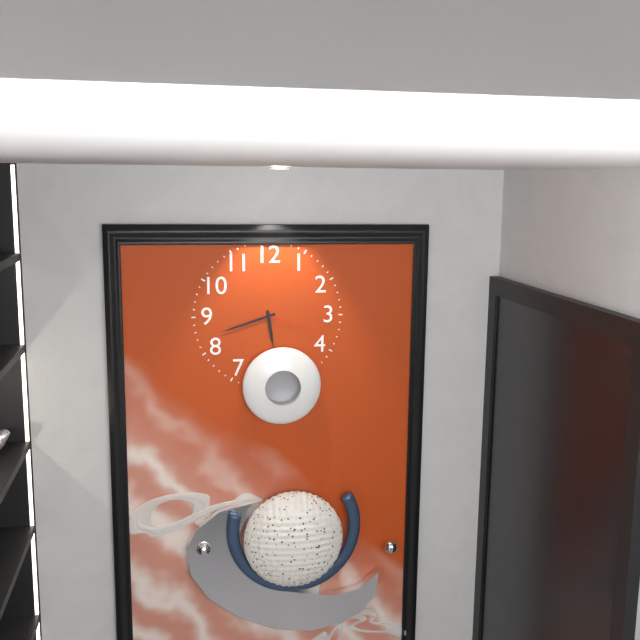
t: 5:42:18
